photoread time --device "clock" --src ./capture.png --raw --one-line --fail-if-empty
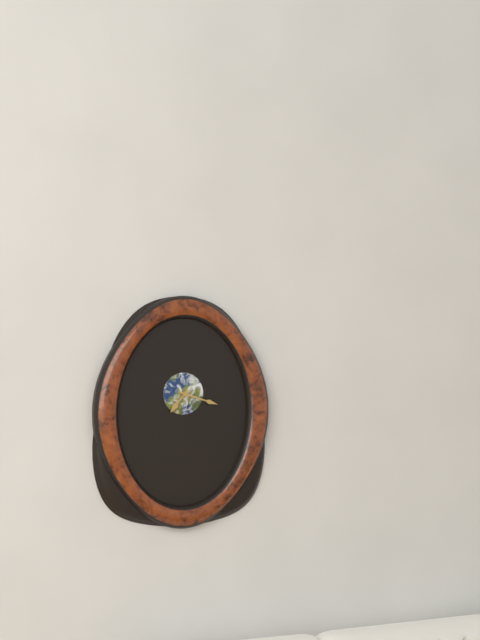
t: 7:18
